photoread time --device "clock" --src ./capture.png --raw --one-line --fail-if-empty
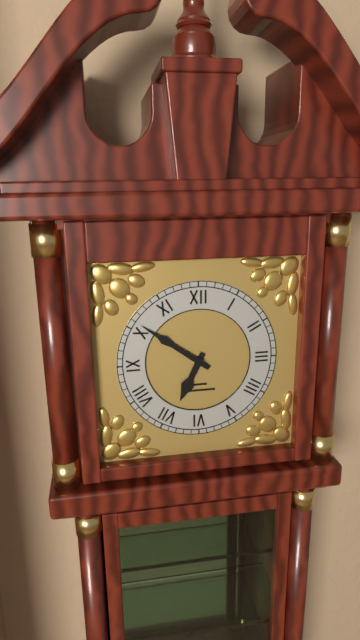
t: 6:51
